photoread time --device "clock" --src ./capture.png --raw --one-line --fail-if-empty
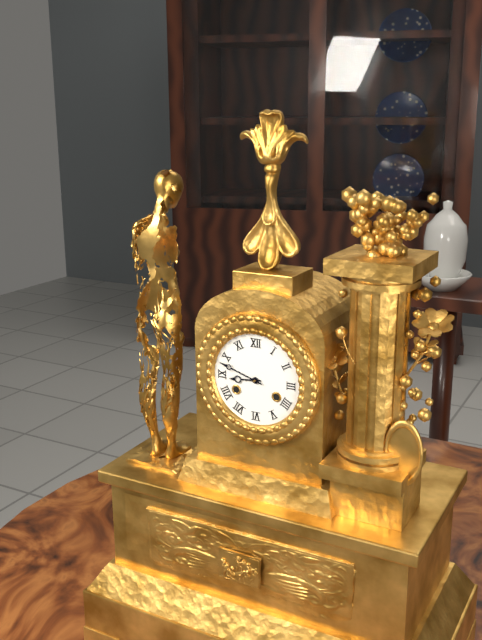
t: 8:48
